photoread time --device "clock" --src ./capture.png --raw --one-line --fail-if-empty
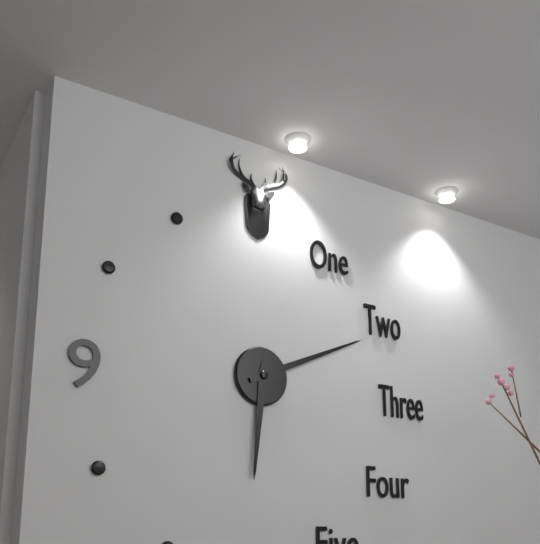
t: 6:11
